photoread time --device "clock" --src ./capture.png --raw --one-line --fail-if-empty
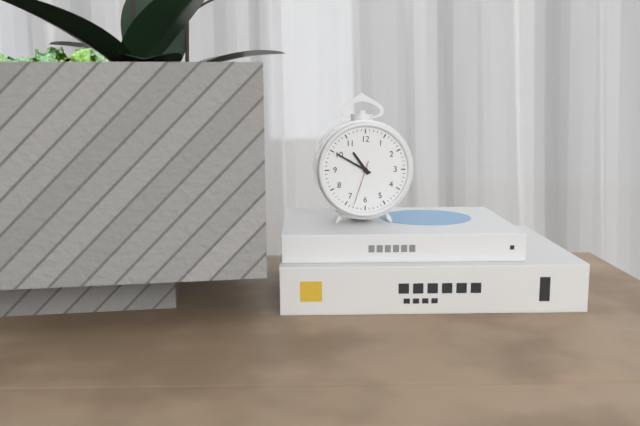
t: 10:50
